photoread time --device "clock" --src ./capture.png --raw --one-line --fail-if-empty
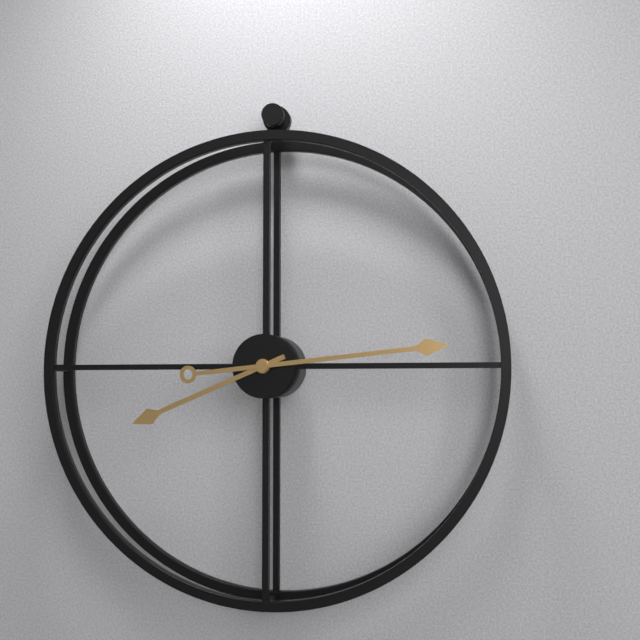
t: 8:14
